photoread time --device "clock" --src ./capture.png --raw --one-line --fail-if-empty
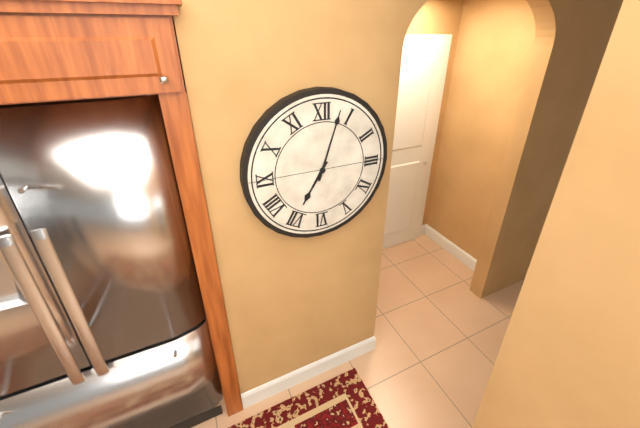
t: 7:03
